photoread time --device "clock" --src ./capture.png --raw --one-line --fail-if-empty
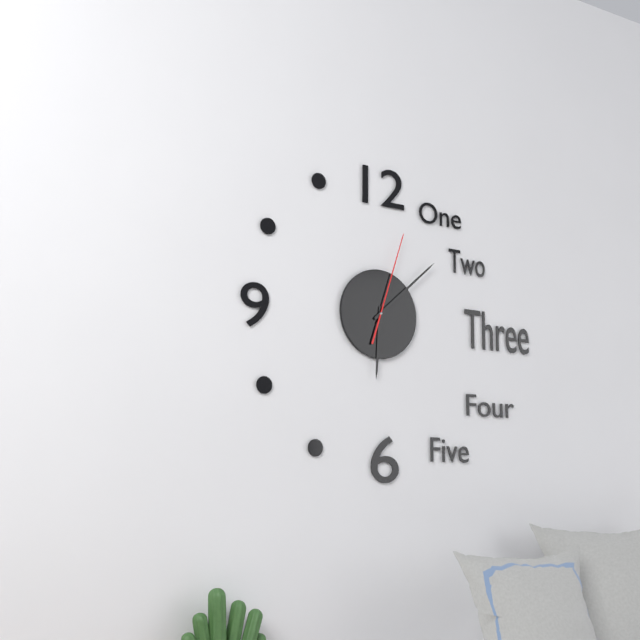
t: 6:08:03
